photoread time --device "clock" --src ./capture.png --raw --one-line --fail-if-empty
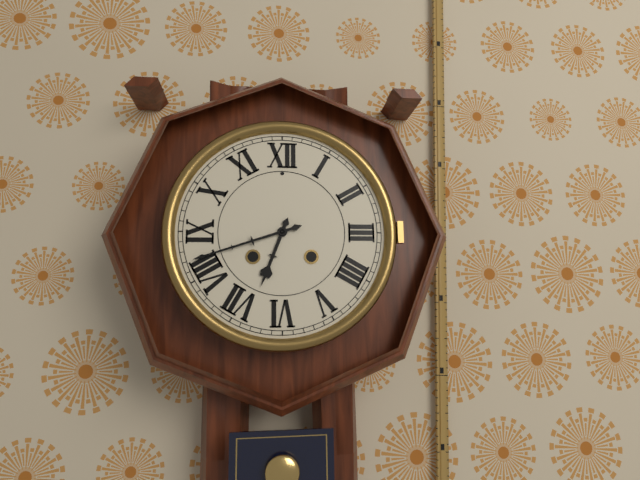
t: 6:42
